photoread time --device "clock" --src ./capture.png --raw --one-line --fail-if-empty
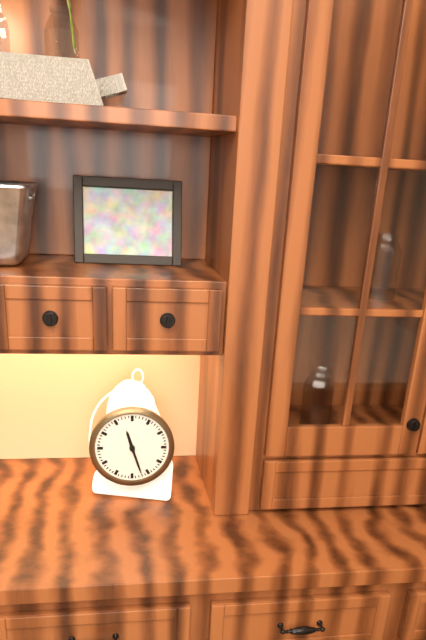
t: 11:27
